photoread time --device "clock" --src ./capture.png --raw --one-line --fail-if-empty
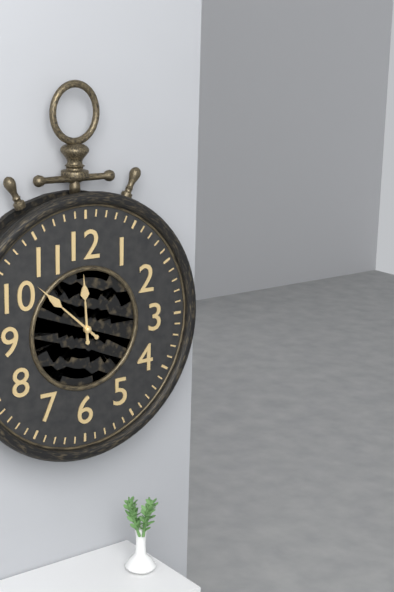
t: 11:52
